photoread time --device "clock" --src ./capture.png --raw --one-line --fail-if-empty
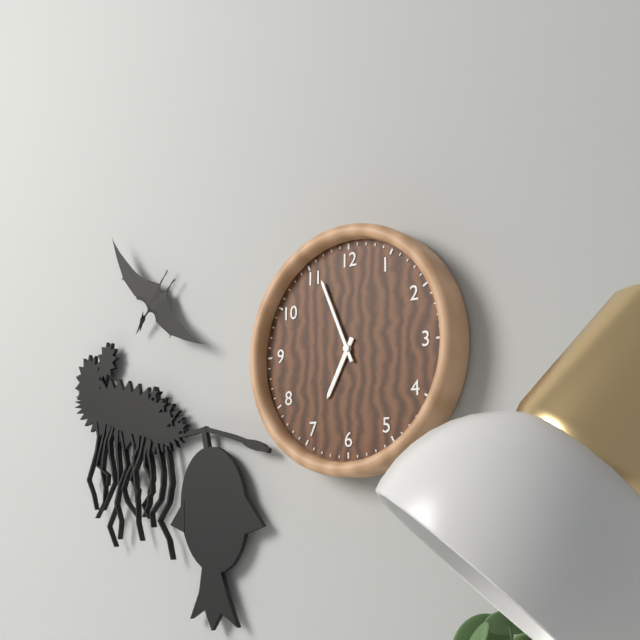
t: 6:56
